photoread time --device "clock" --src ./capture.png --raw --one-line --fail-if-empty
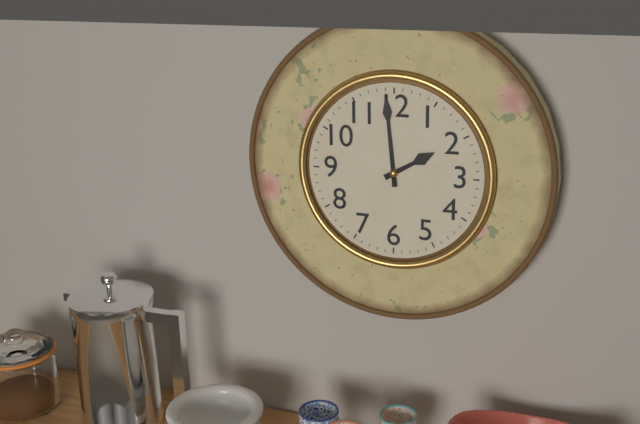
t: 1:59
